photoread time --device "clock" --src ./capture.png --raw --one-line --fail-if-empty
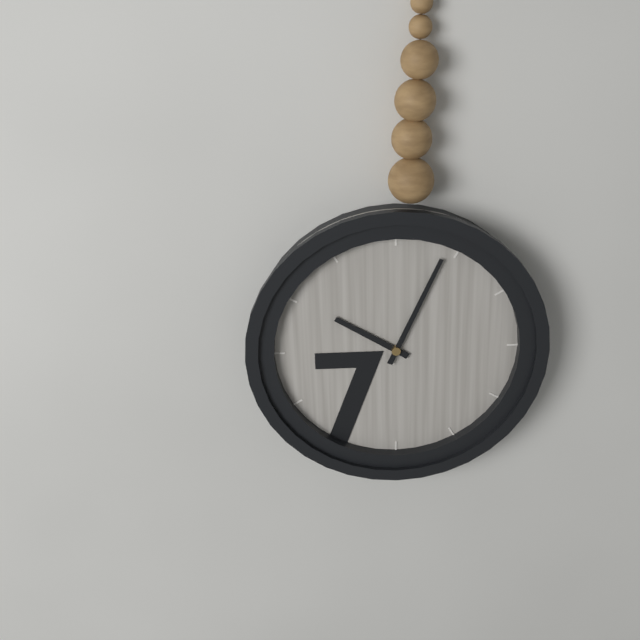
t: 10:04
